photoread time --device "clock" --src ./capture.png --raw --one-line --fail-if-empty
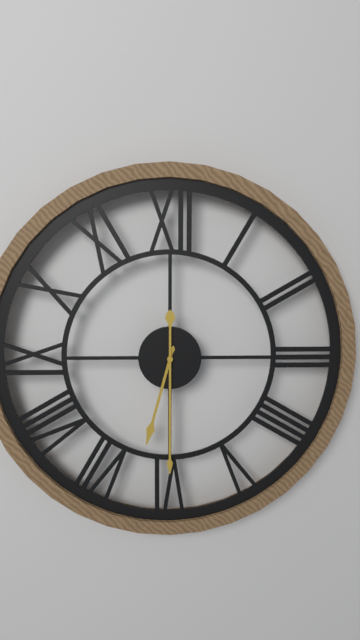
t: 6:30
